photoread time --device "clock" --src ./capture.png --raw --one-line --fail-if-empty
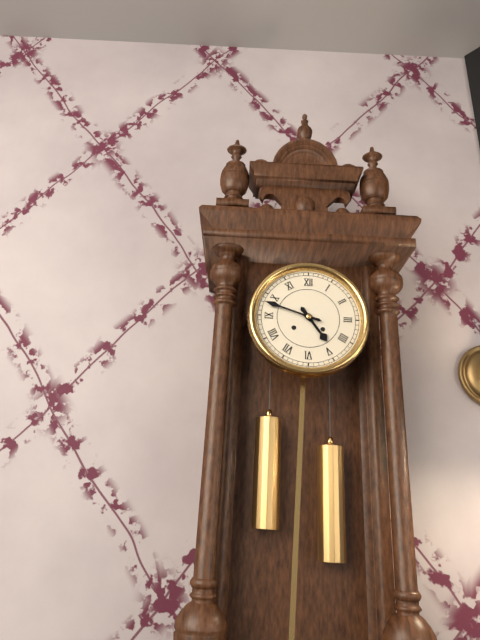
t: 4:48
